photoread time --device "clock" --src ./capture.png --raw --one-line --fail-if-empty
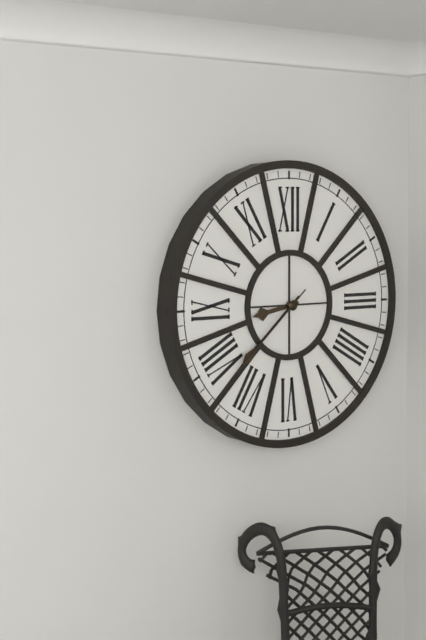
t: 8:38:38
